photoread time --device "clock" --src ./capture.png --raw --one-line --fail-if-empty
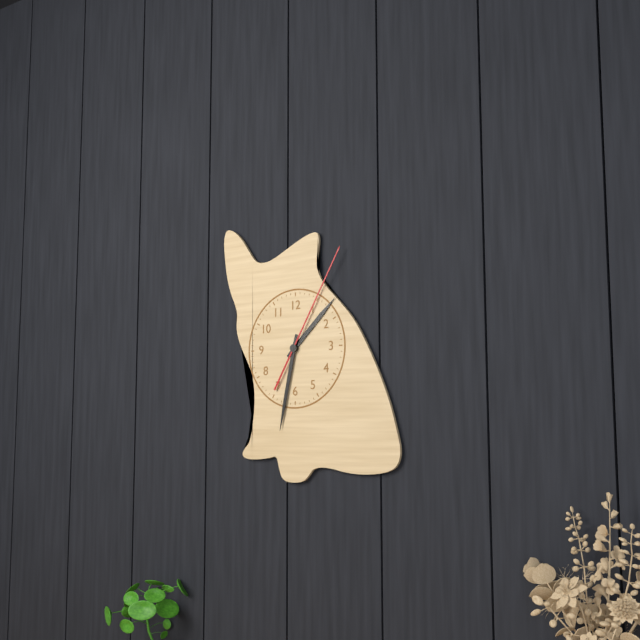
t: 1:32:05
